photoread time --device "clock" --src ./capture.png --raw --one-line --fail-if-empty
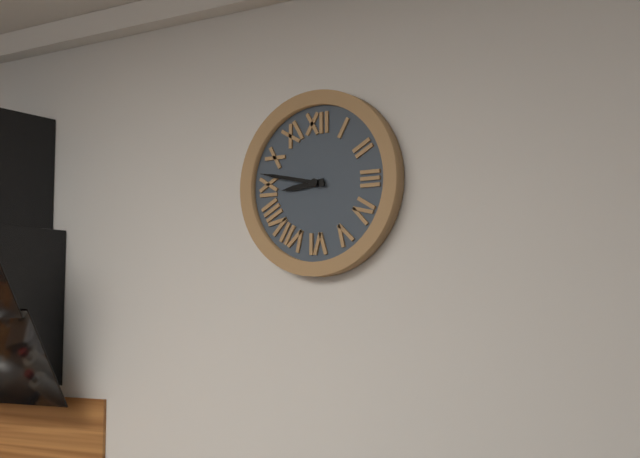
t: 8:47
